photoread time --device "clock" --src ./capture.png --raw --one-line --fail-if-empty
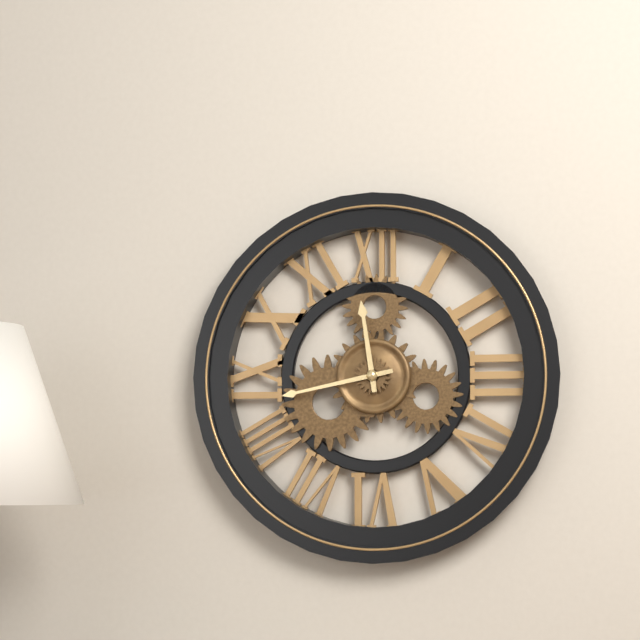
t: 11:43
